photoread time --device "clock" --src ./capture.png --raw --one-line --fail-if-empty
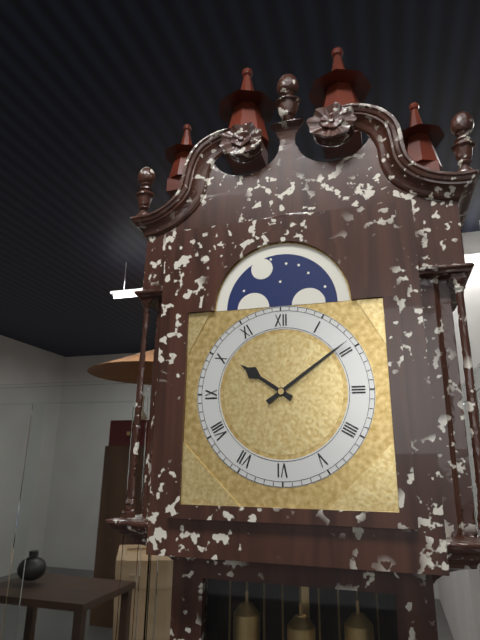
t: 10:09
